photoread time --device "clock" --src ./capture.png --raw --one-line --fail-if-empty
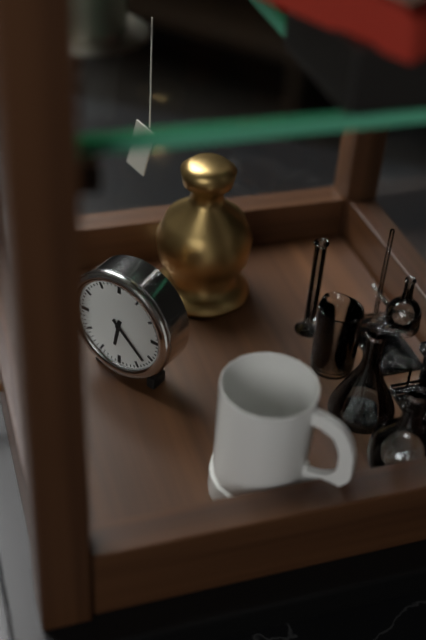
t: 6:22
